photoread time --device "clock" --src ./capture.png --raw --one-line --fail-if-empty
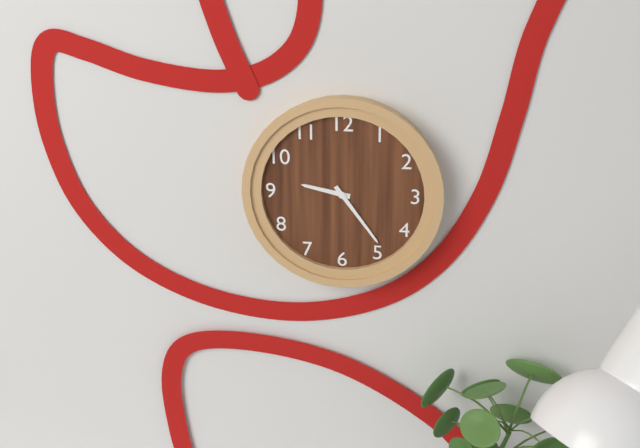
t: 9:24
